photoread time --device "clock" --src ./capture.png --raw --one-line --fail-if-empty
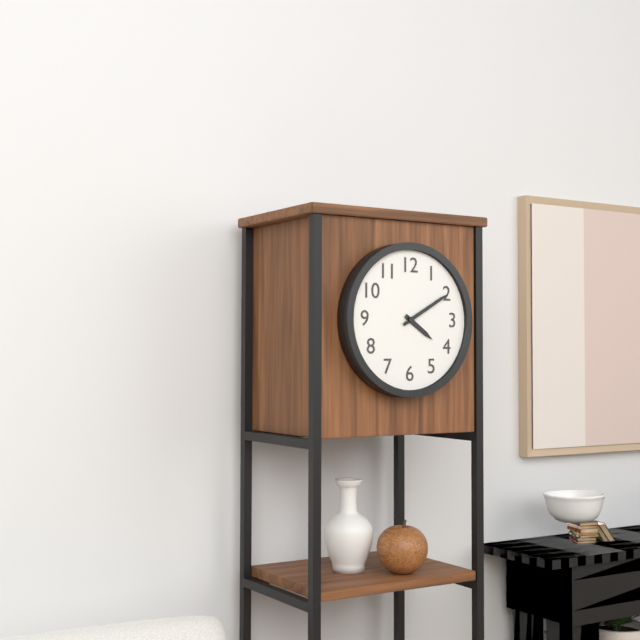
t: 4:10
